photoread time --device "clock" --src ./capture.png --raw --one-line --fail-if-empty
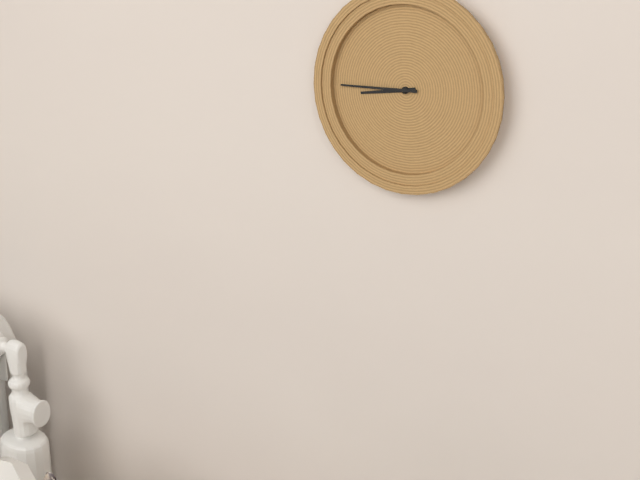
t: 8:45
